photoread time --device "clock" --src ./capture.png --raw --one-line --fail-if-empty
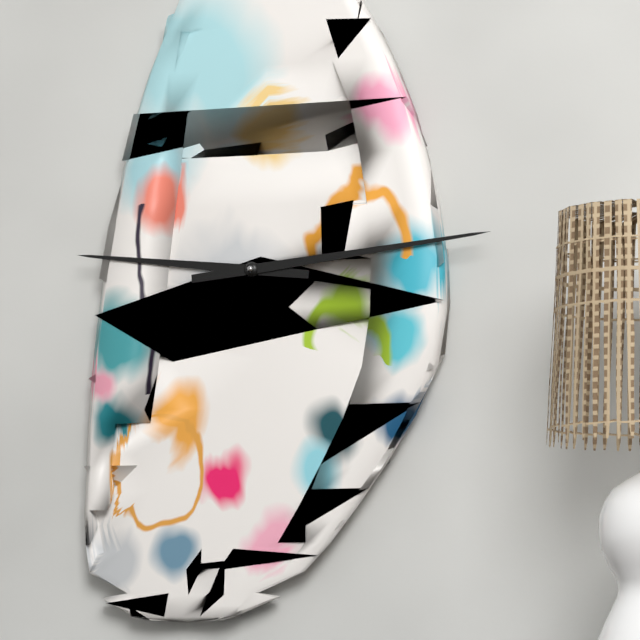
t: 9:14
